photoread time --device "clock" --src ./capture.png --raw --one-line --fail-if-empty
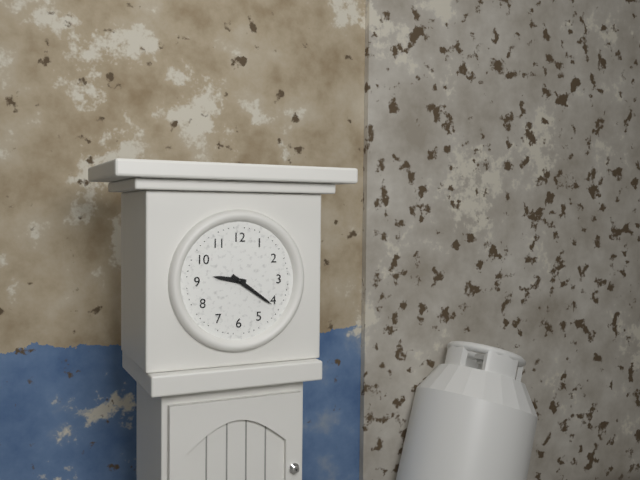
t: 9:21
